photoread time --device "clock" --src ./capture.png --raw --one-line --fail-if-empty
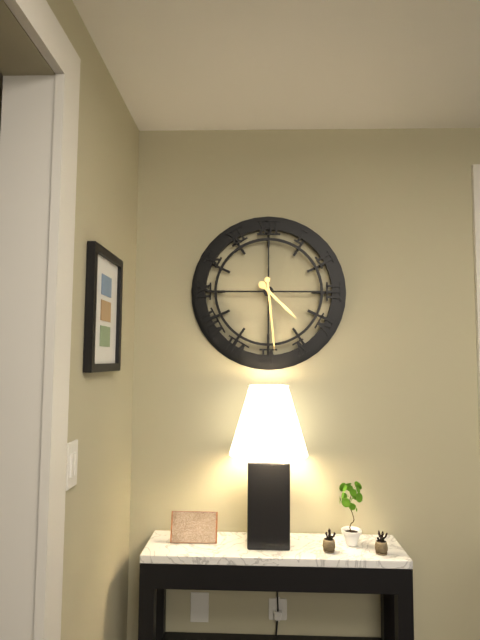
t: 4:29
